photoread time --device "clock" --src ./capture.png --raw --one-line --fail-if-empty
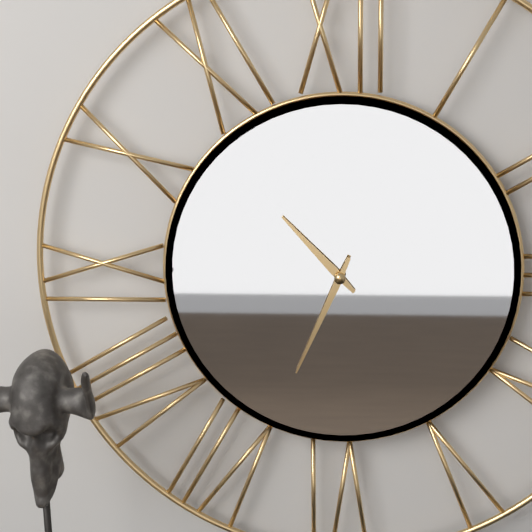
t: 10:34
